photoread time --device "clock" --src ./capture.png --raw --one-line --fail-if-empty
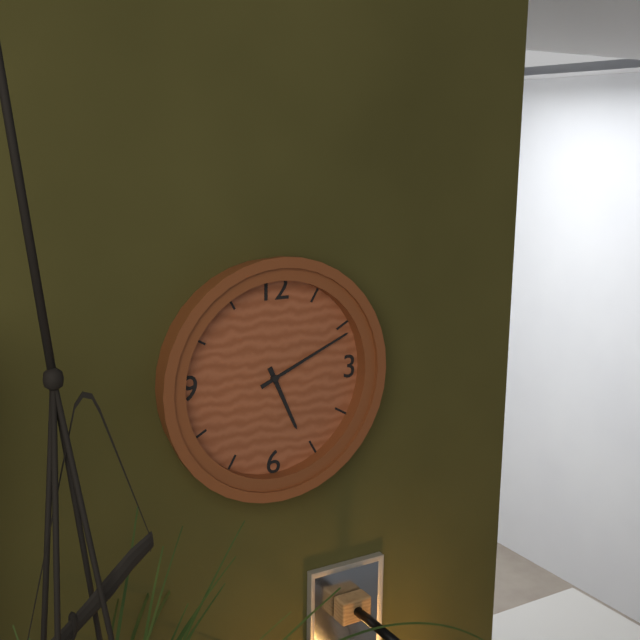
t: 5:11
